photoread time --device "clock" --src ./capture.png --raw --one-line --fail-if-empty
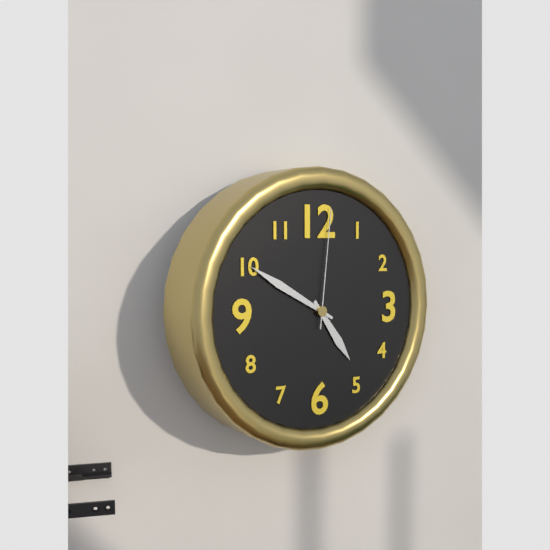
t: 4:50:01
